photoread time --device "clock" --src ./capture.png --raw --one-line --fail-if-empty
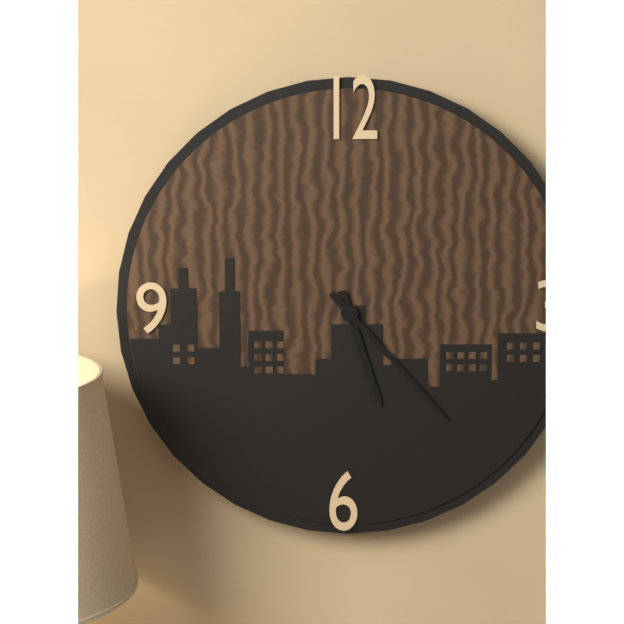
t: 5:23
